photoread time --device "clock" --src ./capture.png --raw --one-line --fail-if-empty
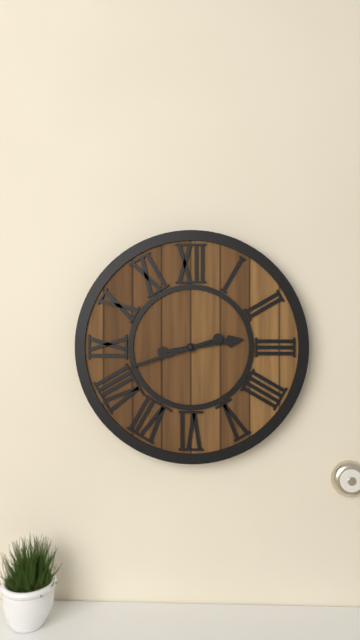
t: 2:42
